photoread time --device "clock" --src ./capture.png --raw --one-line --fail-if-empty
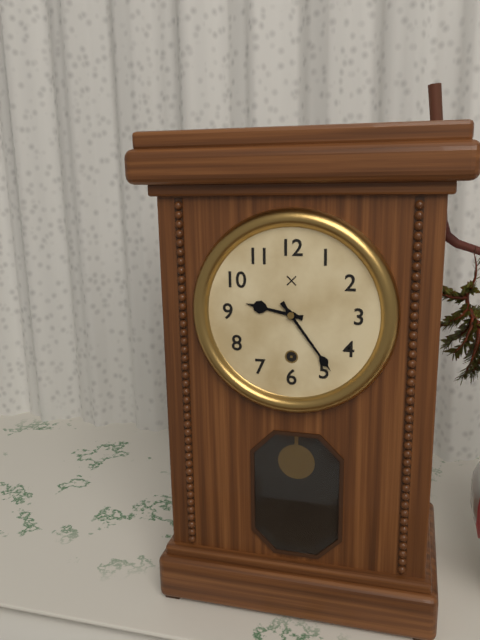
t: 9:24
